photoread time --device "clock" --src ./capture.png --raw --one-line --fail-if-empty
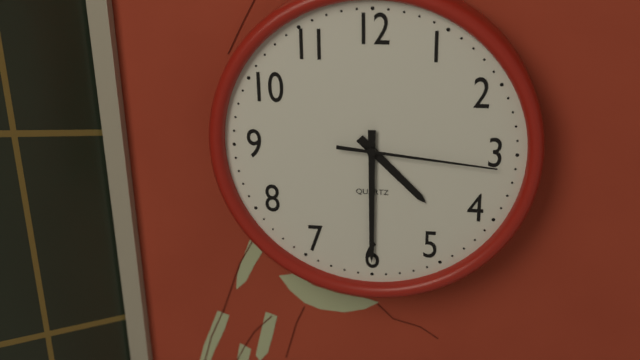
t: 4:30:16
